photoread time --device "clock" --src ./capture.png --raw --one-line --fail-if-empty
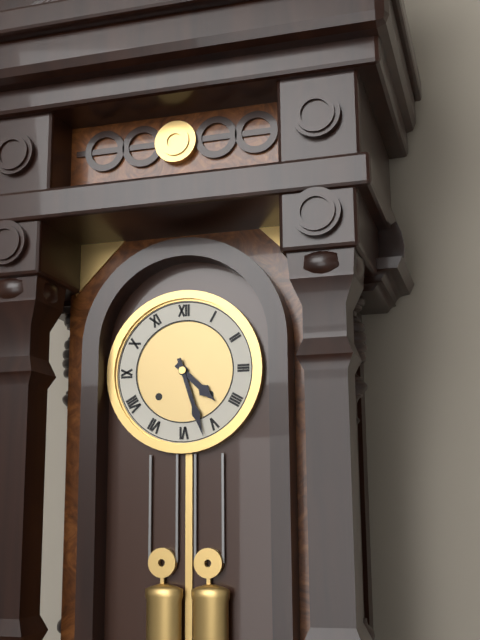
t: 4:27
